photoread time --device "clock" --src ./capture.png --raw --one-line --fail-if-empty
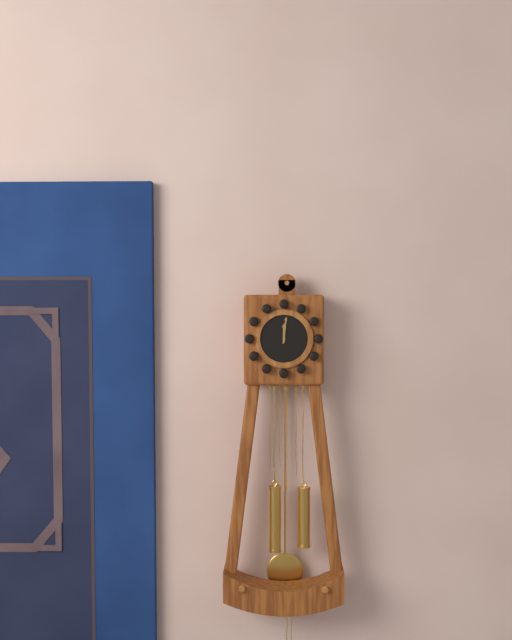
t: 12:01
